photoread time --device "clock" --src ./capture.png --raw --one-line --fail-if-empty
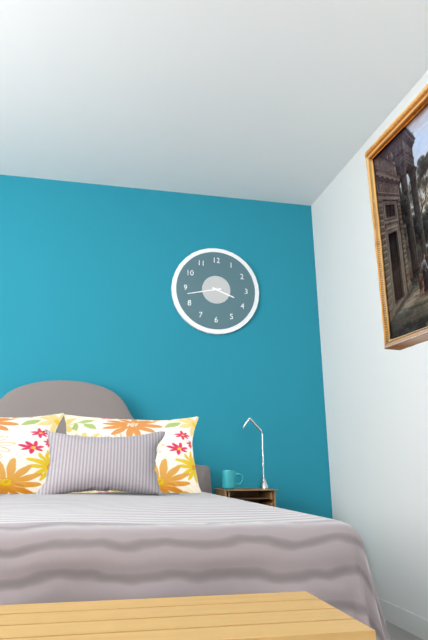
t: 3:43
